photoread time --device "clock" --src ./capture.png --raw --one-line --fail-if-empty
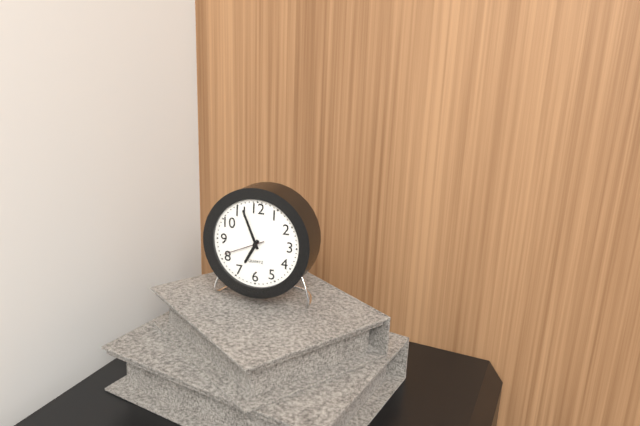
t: 6:56
